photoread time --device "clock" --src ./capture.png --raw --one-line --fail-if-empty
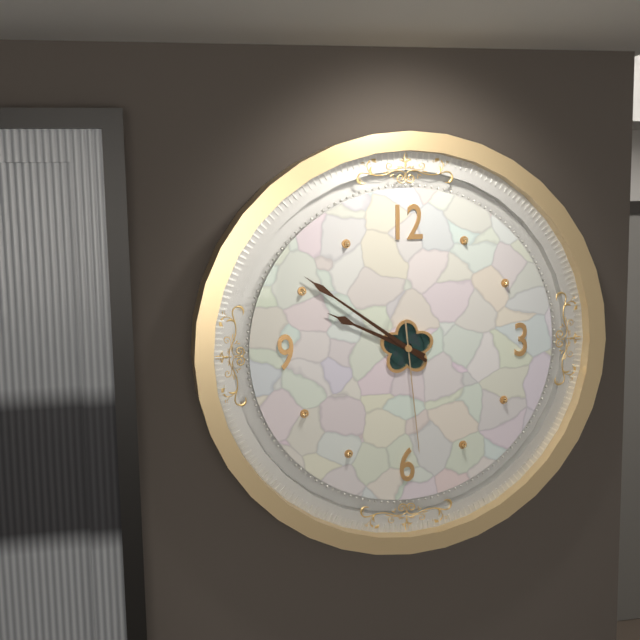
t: 9:51:29
